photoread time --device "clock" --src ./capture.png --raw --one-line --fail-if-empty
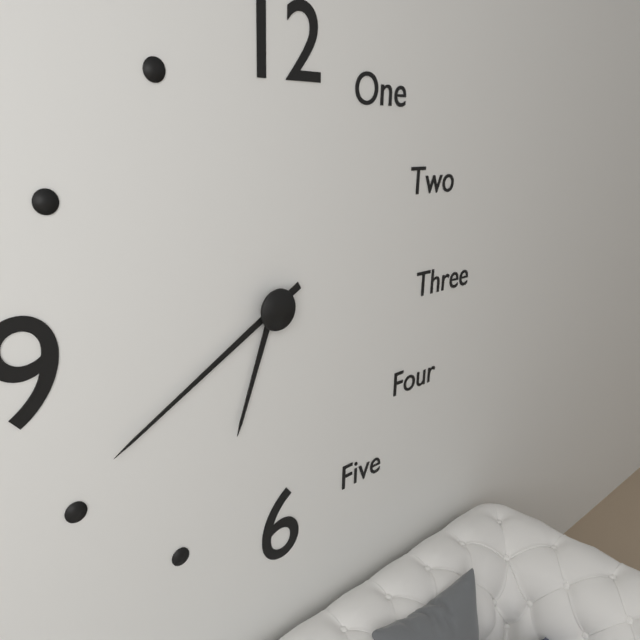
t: 6:40
